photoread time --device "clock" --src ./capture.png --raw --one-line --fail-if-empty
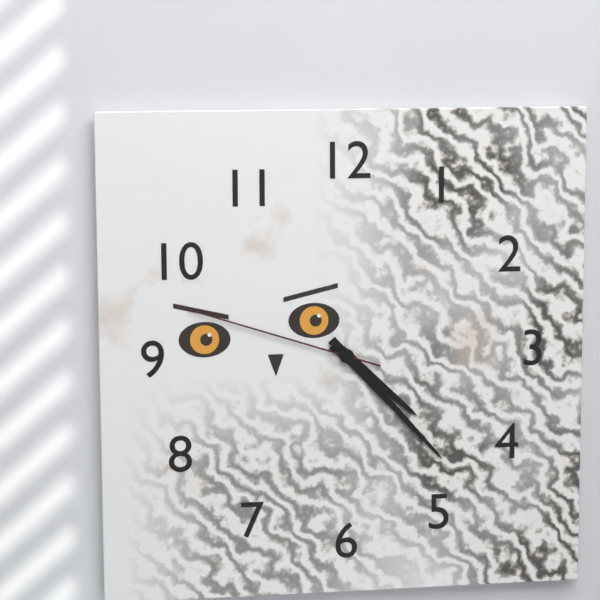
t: 4:23:48
